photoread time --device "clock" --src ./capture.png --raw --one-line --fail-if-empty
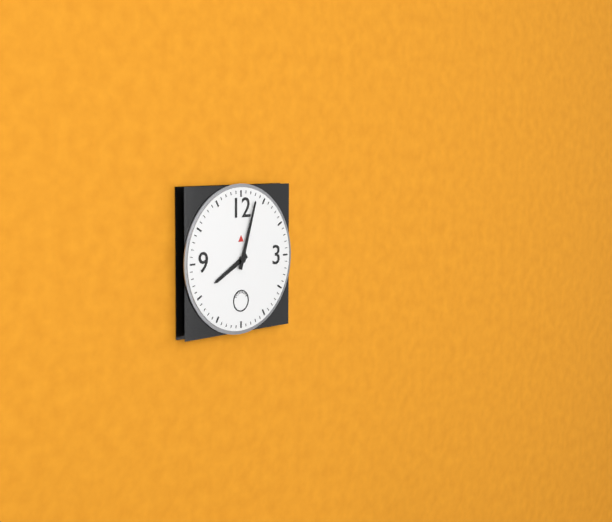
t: 8:03
